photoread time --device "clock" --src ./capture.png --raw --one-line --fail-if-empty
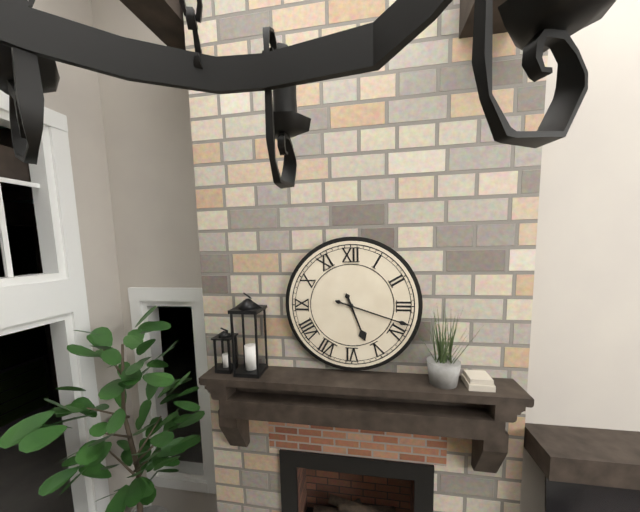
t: 5:18
